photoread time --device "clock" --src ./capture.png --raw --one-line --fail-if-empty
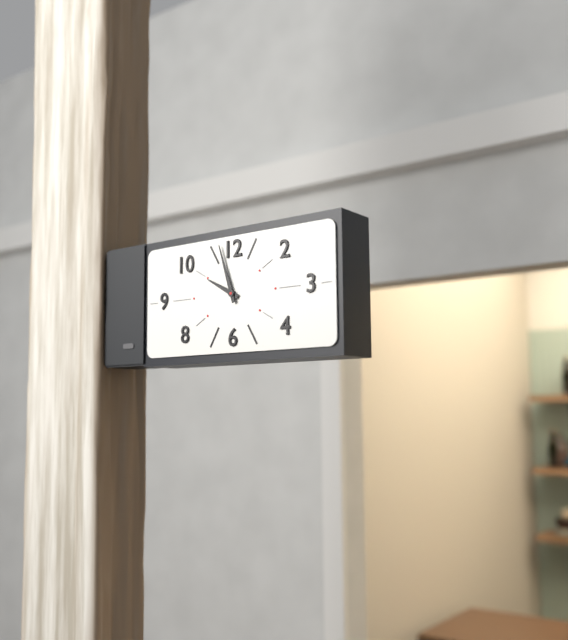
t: 9:57
